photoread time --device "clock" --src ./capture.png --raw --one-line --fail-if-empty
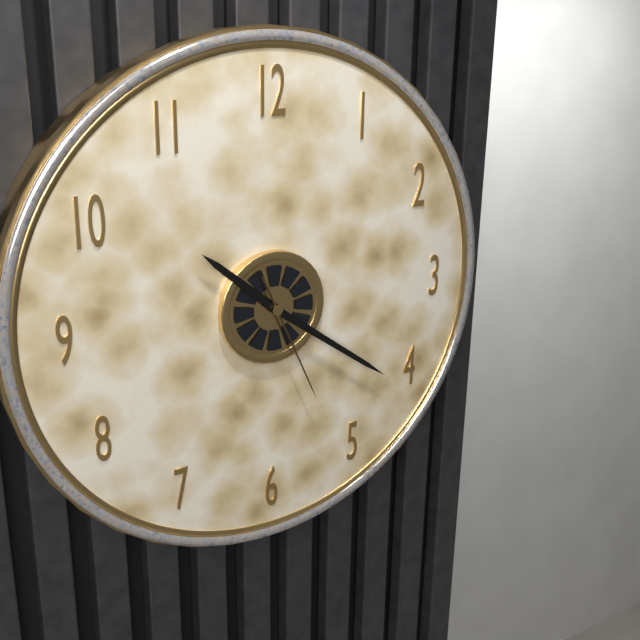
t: 10:21:26
